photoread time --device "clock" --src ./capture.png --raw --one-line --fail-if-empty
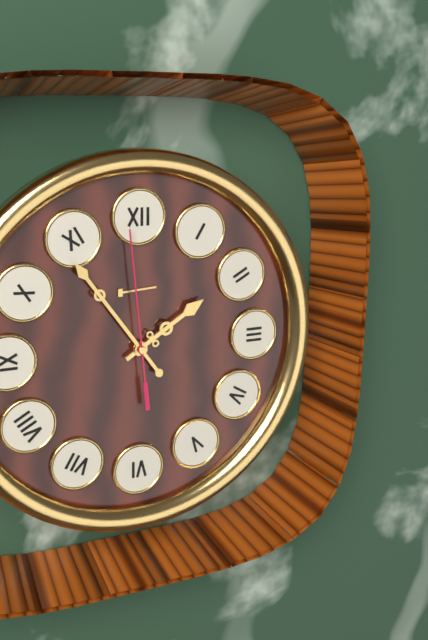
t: 1:54:59
